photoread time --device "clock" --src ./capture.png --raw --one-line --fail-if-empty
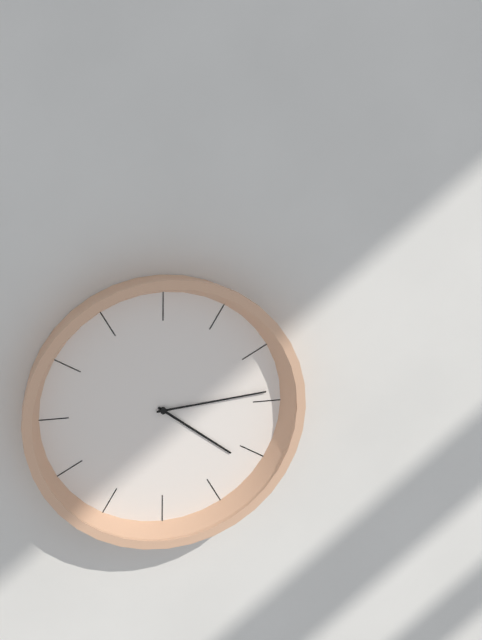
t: 4:14
